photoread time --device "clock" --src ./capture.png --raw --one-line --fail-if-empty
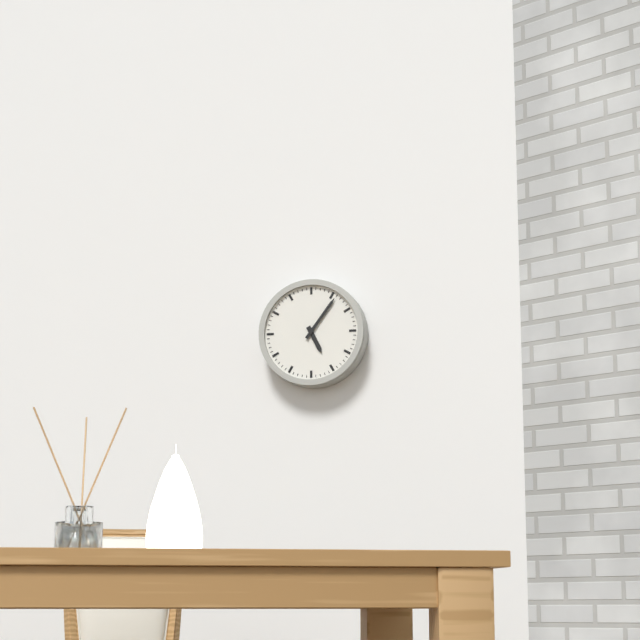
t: 5:06
